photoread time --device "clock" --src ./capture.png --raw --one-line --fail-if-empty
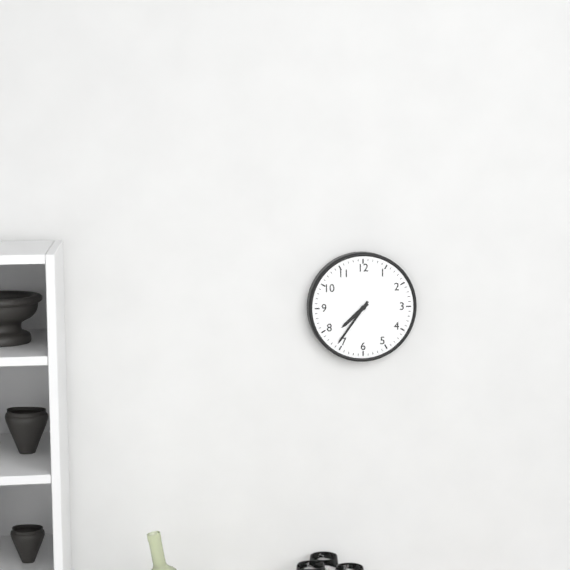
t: 7:36
